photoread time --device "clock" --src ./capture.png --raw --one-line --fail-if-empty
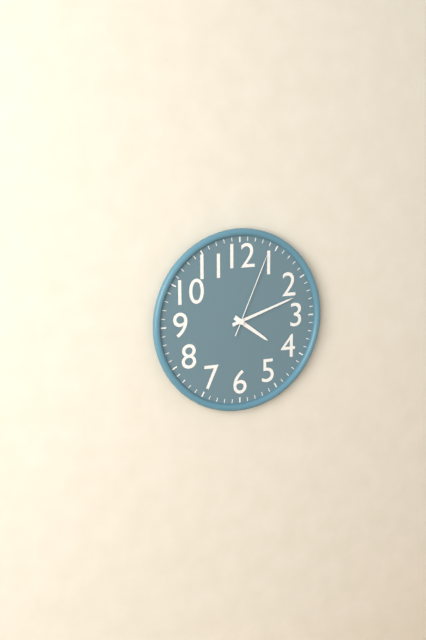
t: 4:12:04
